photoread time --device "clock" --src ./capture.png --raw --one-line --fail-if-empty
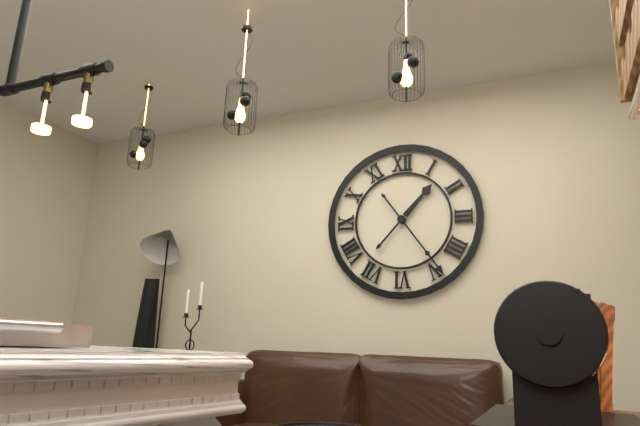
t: 1:24
